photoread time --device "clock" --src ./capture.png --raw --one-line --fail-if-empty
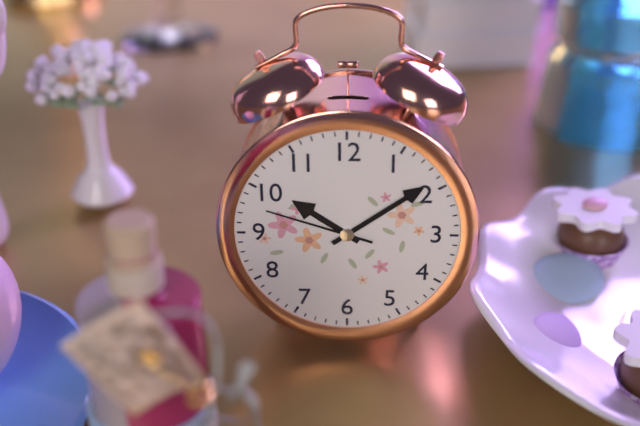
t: 10:09:48
